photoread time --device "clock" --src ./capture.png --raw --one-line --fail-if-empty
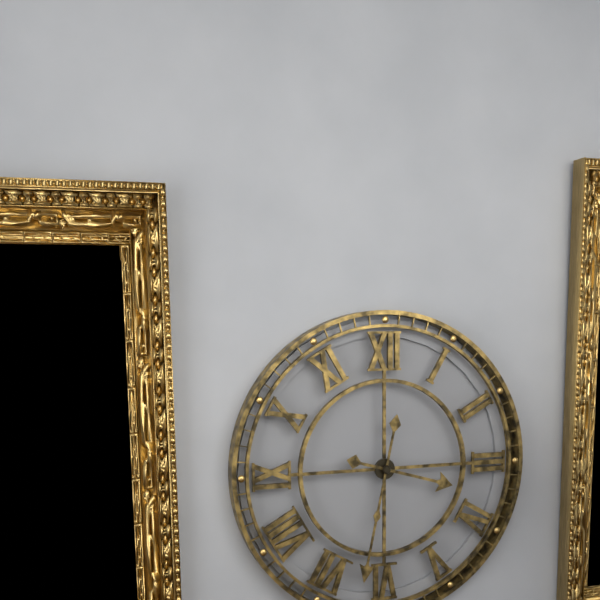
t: 3:32
